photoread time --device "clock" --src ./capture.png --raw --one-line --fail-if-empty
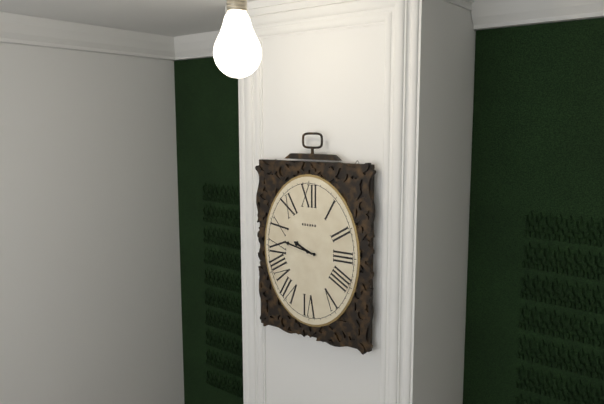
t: 9:47
